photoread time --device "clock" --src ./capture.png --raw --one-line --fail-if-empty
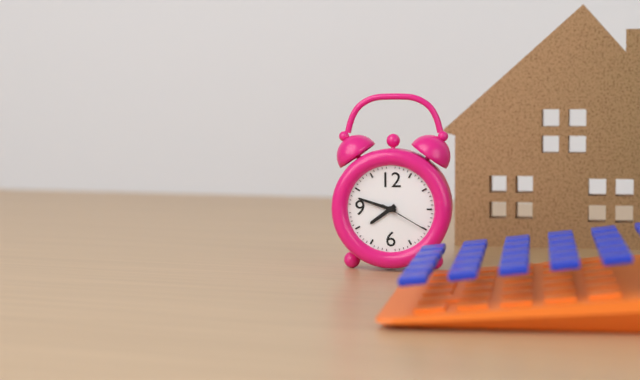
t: 7:48
